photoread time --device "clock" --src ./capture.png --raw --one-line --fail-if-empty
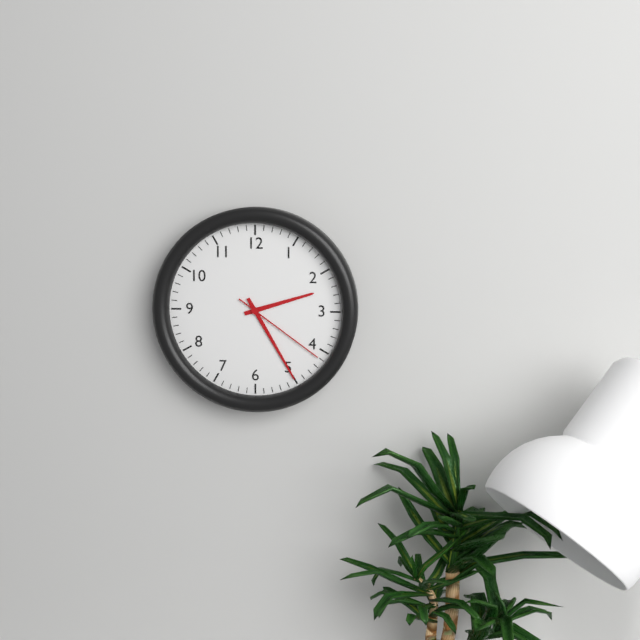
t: 2:25:21
